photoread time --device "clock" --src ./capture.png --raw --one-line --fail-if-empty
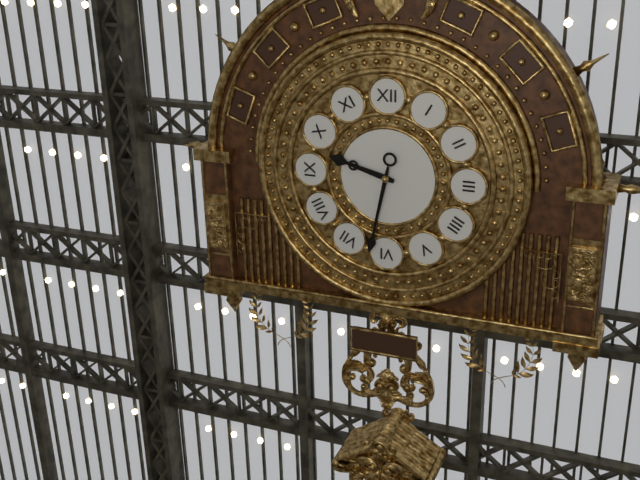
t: 9:32
